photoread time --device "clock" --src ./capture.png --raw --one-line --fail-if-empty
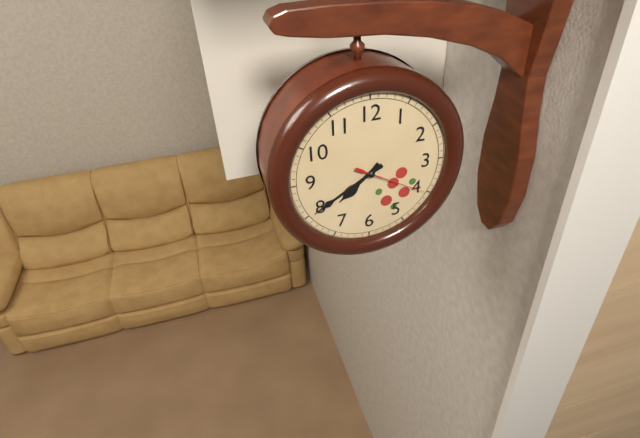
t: 7:40:20
